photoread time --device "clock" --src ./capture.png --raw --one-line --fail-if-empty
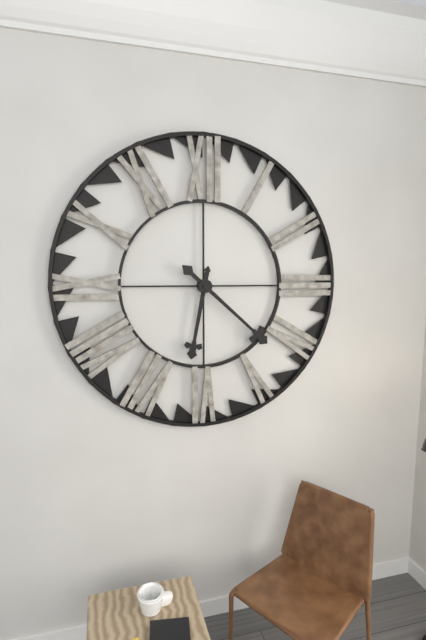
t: 6:22
